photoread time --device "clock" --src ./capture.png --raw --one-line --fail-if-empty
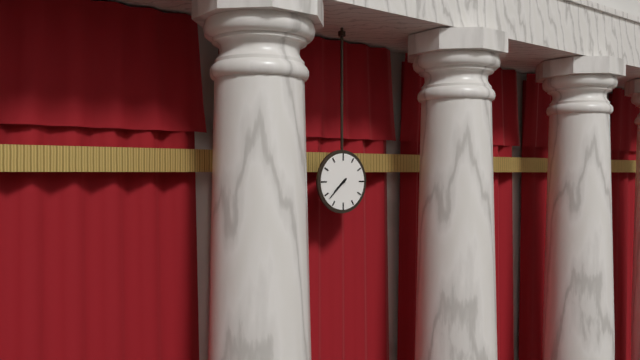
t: 7:38
